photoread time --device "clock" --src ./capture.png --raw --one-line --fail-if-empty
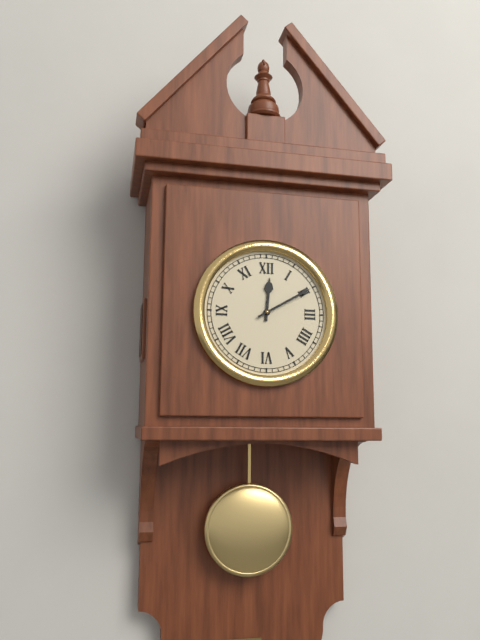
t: 12:10
